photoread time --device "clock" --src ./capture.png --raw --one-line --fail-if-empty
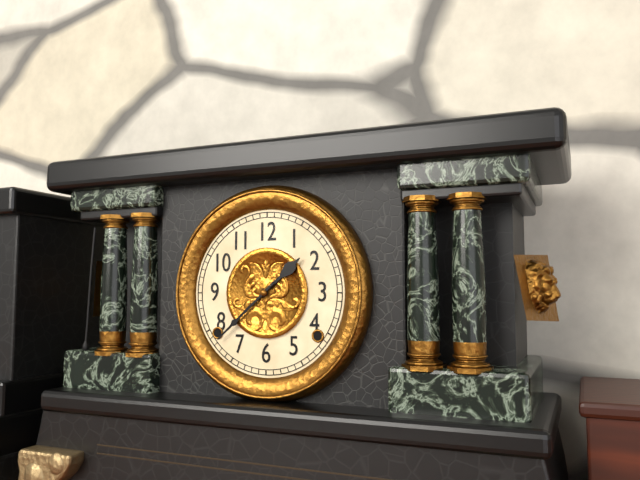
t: 1:38
